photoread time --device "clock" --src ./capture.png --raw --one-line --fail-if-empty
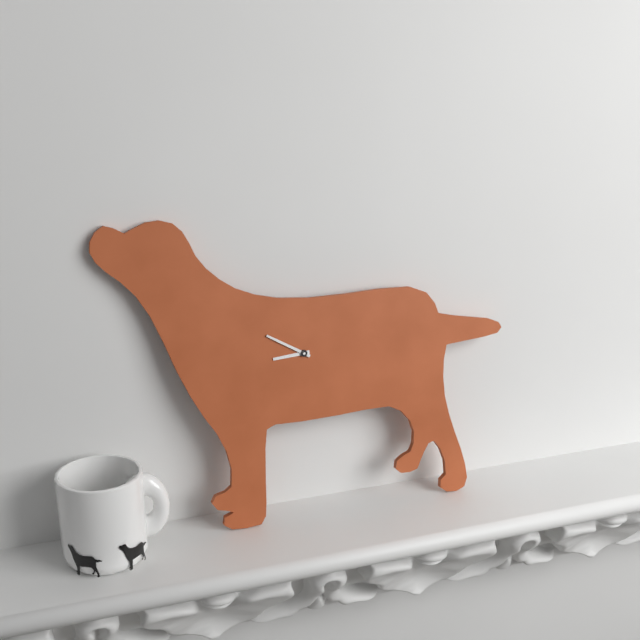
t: 8:50
